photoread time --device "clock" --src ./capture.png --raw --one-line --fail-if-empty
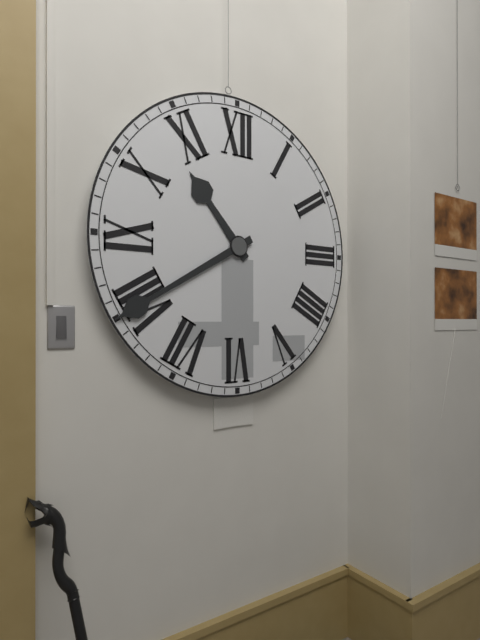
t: 10:40
